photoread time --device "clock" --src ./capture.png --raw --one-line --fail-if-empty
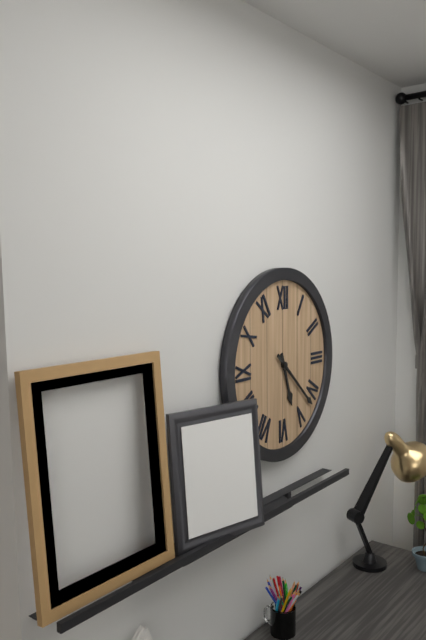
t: 5:22
